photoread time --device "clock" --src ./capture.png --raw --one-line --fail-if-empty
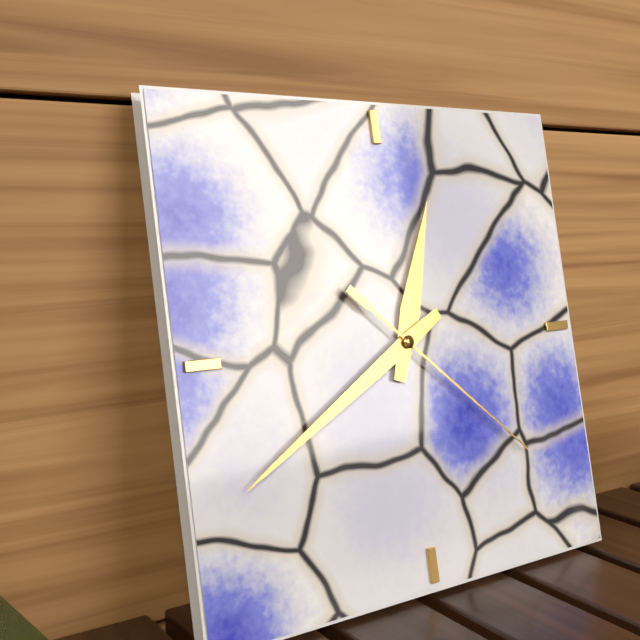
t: 12:40:22
